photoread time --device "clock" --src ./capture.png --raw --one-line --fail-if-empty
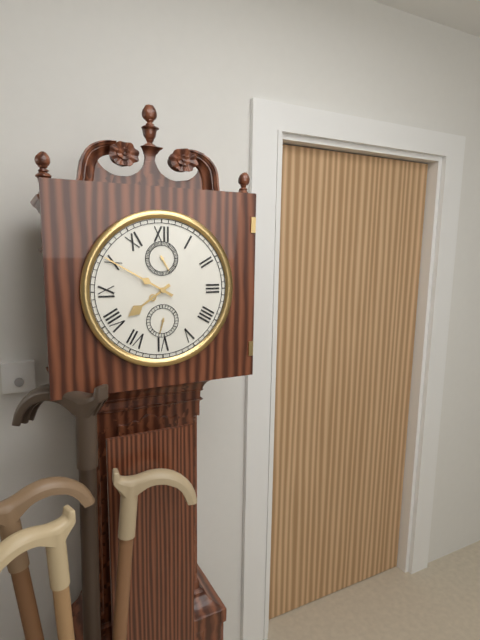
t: 7:50
